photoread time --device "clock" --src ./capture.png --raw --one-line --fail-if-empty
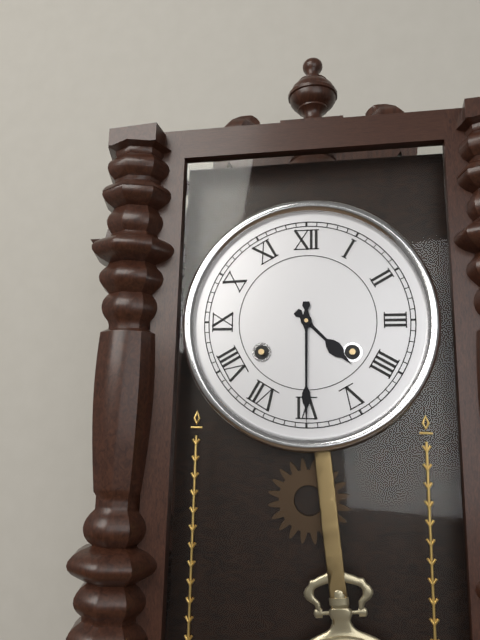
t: 4:30
